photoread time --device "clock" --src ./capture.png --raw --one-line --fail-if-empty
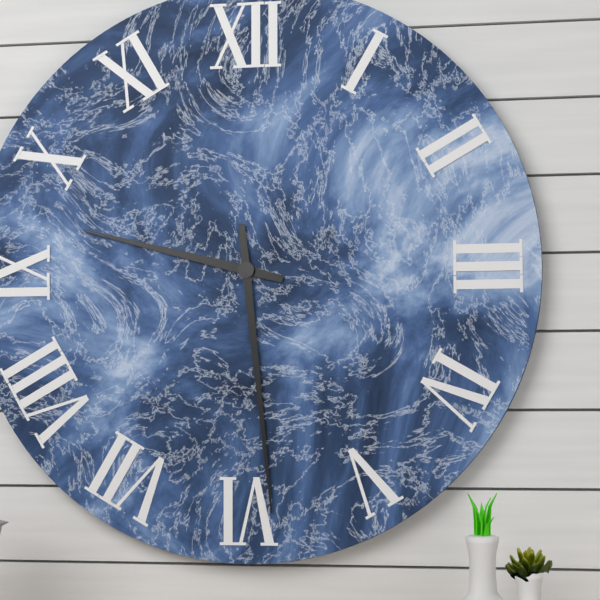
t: 9:29
